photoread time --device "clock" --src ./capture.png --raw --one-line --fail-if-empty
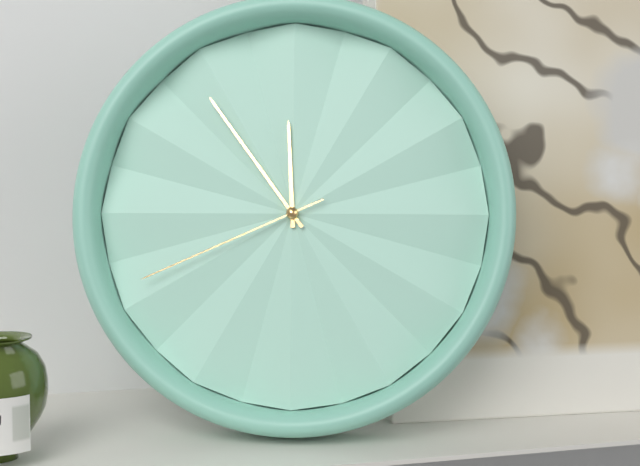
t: 11:54:41
